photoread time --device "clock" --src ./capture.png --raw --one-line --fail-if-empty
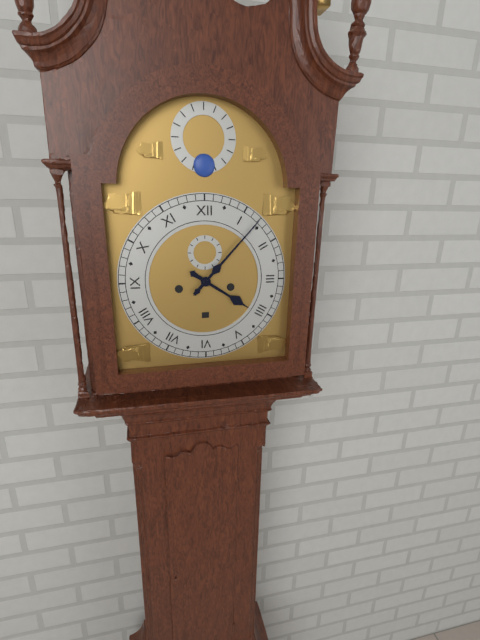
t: 4:07
